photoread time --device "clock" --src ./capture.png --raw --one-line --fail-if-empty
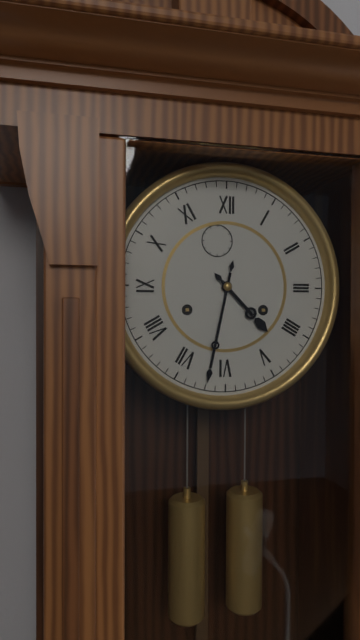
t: 4:32
